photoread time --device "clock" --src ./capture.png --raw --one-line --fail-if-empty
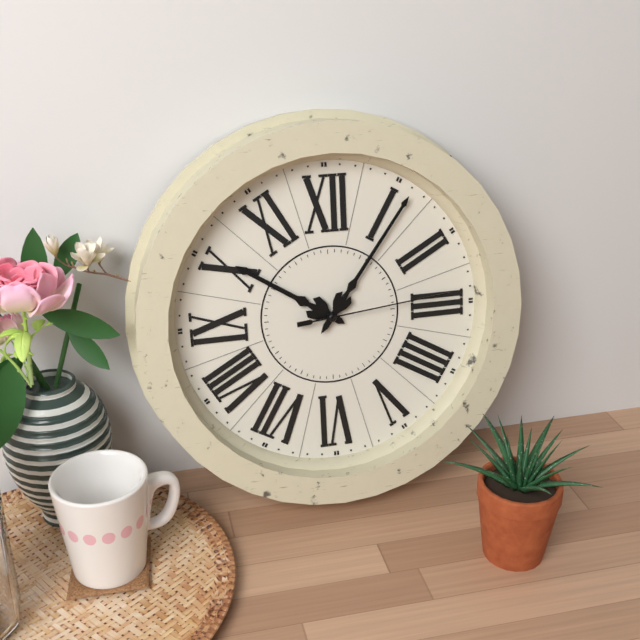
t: 10:06:14
